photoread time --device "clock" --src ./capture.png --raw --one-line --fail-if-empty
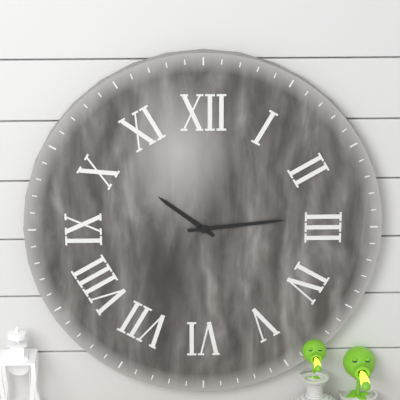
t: 10:14
